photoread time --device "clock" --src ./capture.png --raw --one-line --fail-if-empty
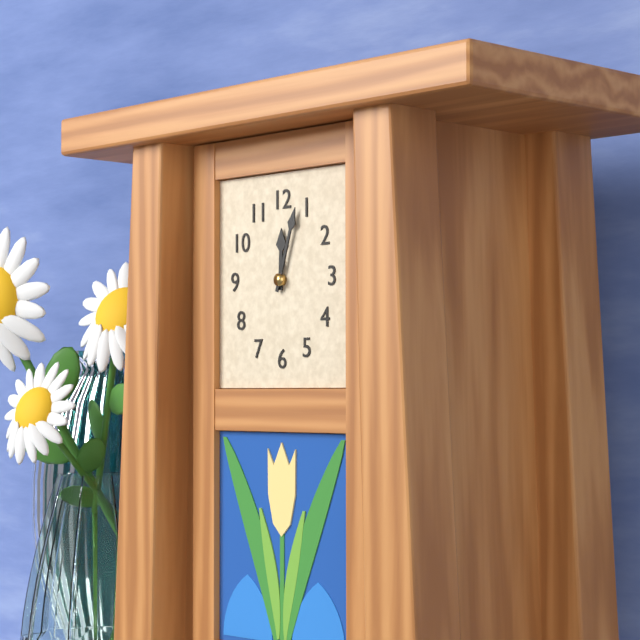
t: 12:03
